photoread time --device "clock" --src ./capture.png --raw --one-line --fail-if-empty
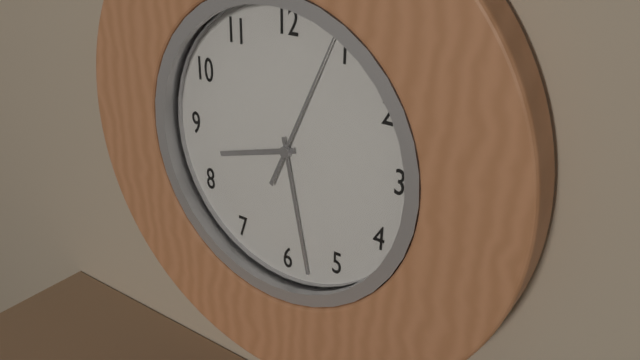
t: 8:28:04
